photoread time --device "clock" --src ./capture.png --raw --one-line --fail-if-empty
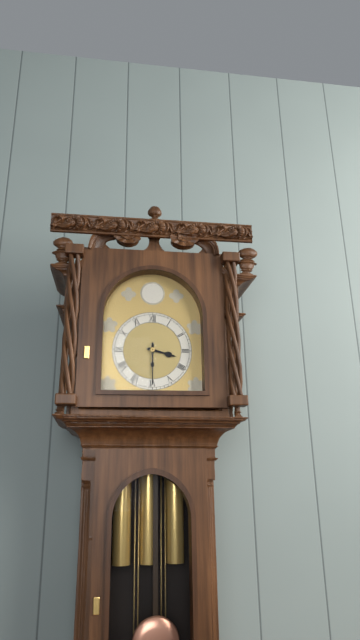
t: 3:30
